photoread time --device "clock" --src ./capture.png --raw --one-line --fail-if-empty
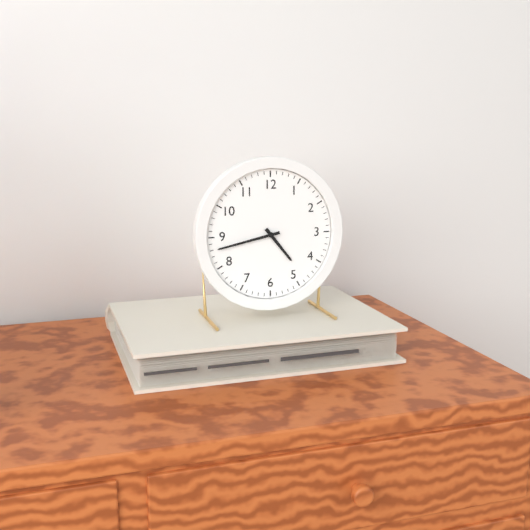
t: 4:43
